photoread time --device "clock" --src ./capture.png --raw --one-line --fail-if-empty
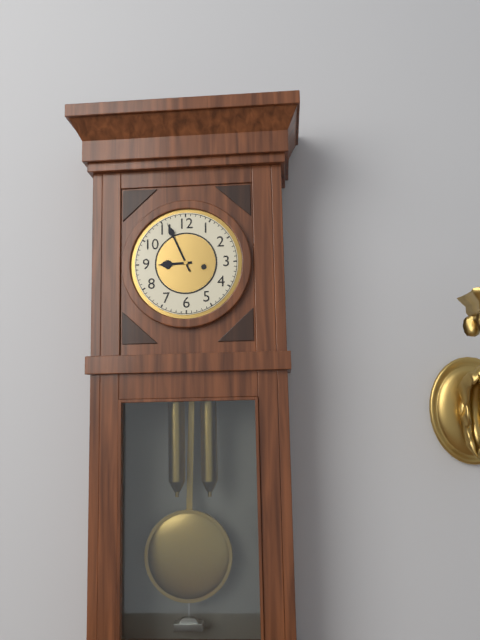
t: 8:56
